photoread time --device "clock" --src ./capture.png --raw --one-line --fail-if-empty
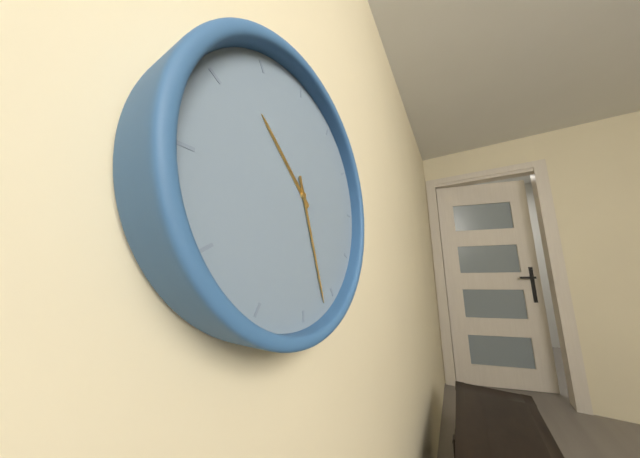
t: 10:27
